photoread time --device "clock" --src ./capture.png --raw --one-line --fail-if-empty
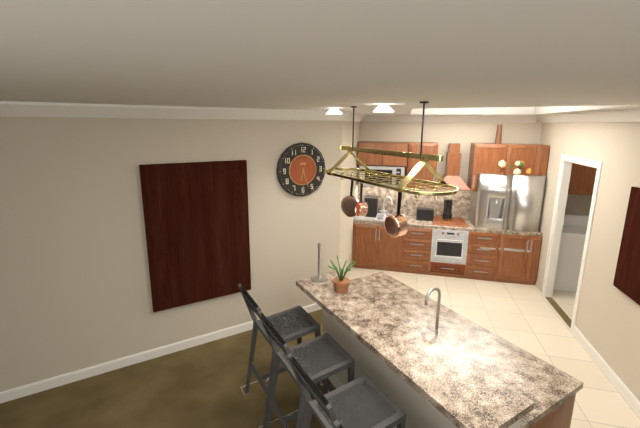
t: 6:27
